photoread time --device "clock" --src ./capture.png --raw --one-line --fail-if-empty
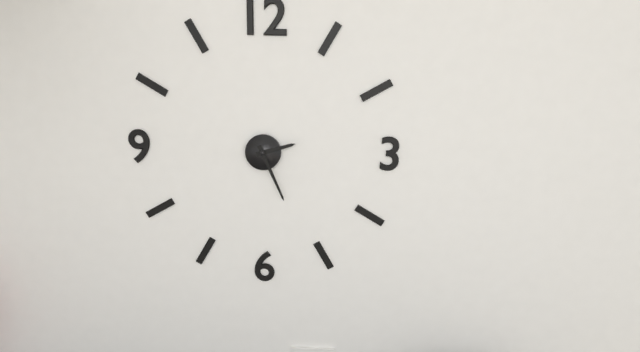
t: 2:26
